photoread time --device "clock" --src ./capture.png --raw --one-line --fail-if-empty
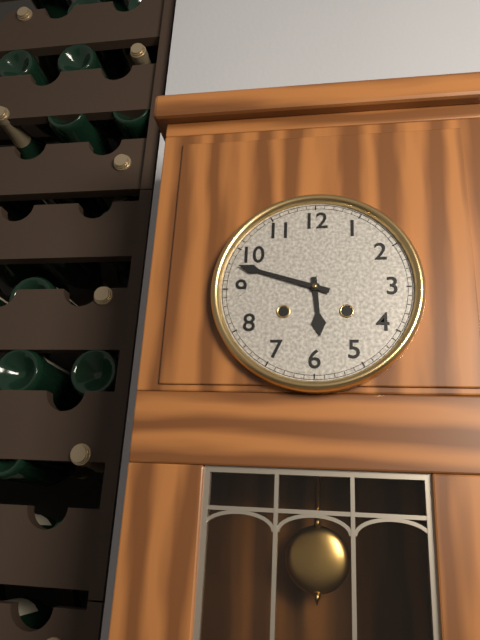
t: 5:48
